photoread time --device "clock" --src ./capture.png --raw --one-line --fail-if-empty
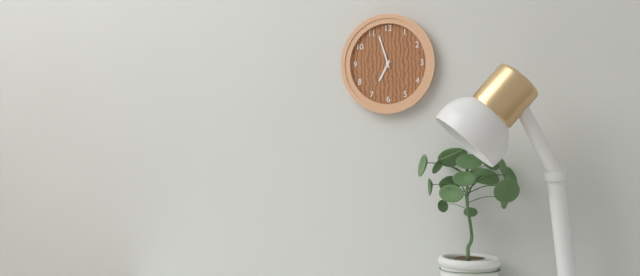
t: 6:57
